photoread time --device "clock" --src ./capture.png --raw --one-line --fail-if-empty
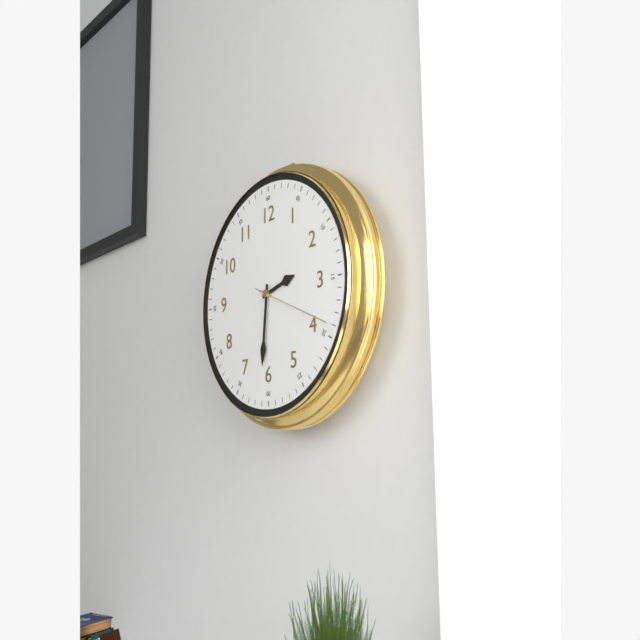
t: 2:31:19
